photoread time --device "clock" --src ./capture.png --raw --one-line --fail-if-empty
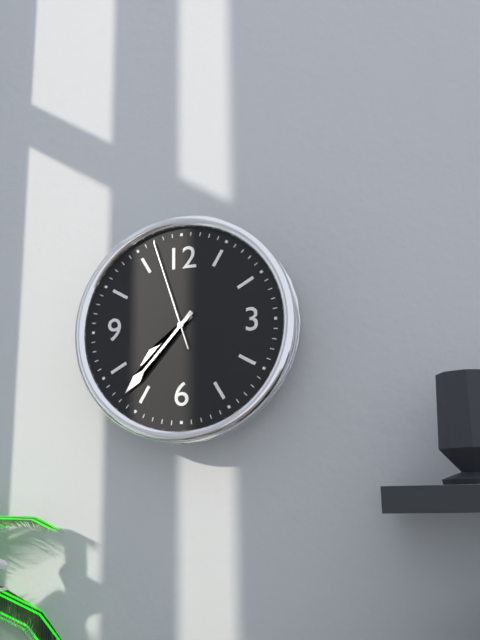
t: 7:37:57
